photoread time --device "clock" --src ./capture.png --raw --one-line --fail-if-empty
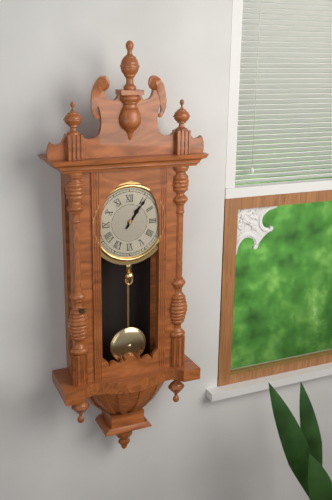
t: 1:06
